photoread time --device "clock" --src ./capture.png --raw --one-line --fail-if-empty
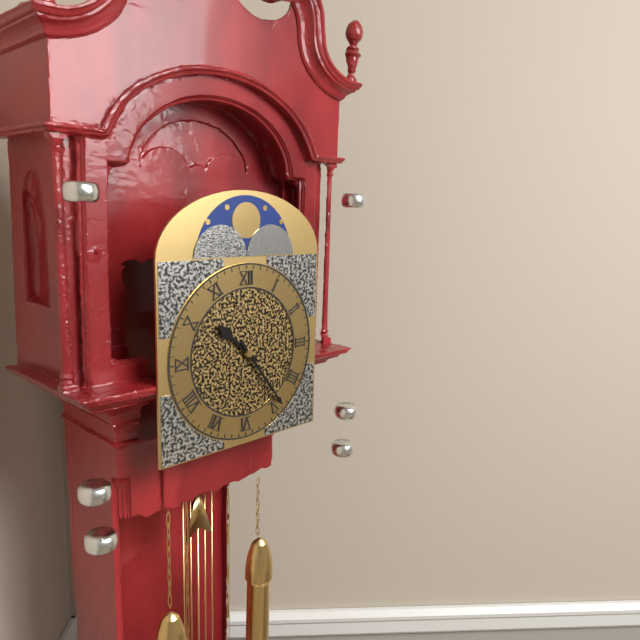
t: 10:24
